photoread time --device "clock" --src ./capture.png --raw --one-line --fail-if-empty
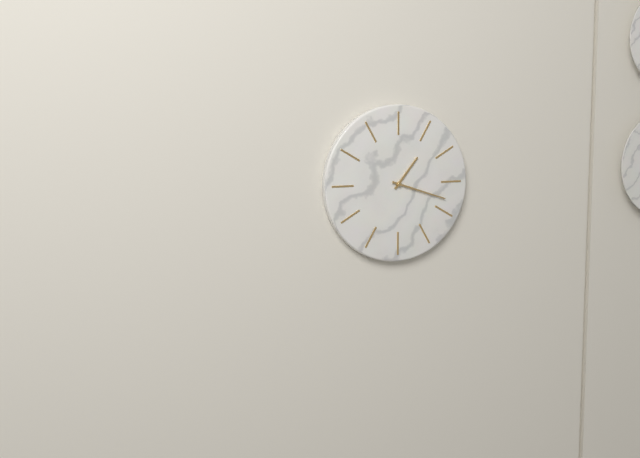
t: 1:18
